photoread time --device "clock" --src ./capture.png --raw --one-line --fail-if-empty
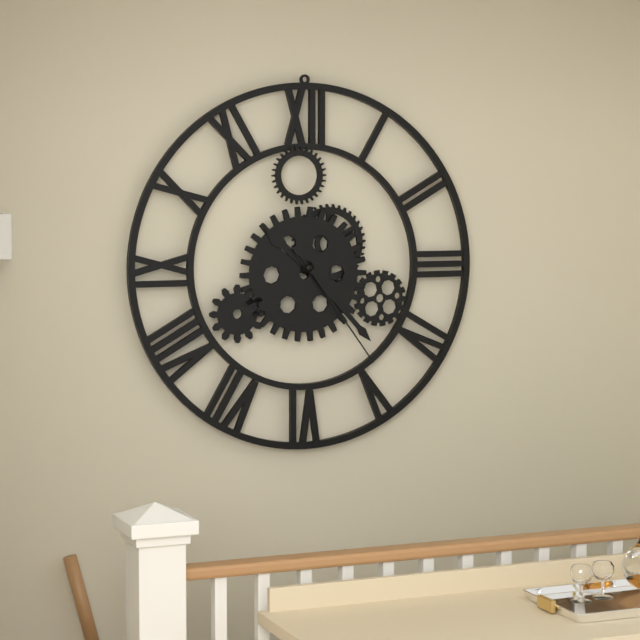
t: 10:23:24
